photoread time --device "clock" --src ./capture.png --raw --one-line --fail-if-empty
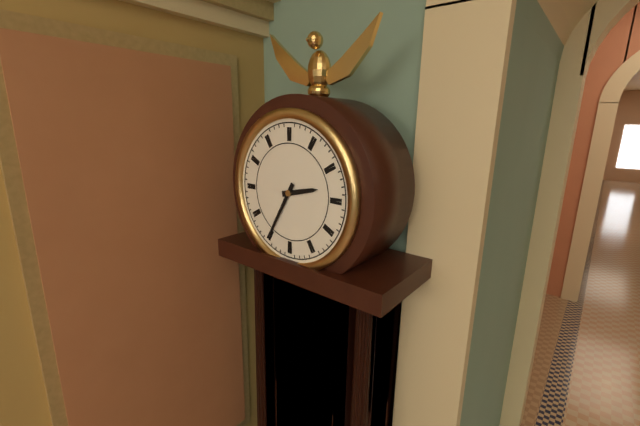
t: 2:35
